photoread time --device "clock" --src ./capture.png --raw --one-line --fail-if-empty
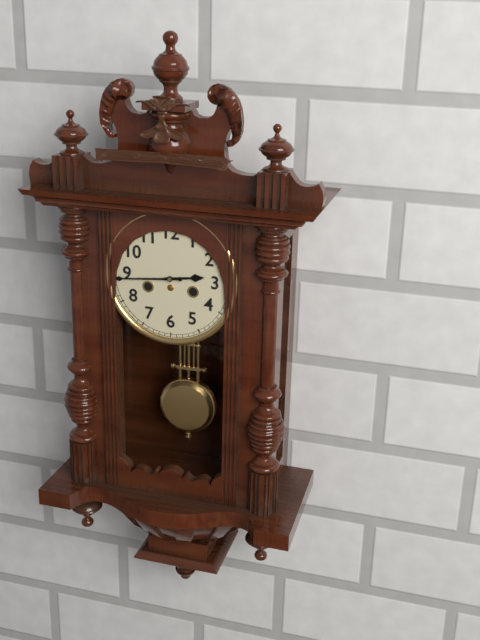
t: 2:44
